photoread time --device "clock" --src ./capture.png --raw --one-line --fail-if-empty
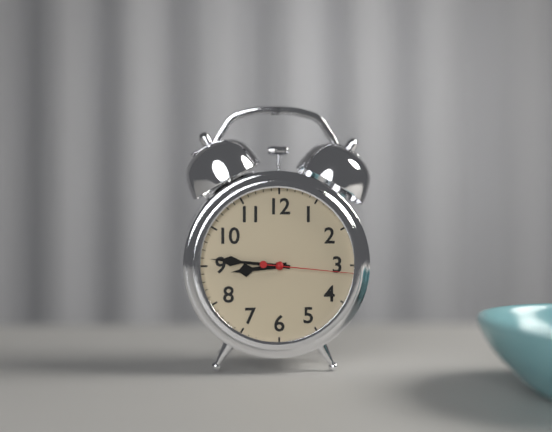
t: 8:46:16
